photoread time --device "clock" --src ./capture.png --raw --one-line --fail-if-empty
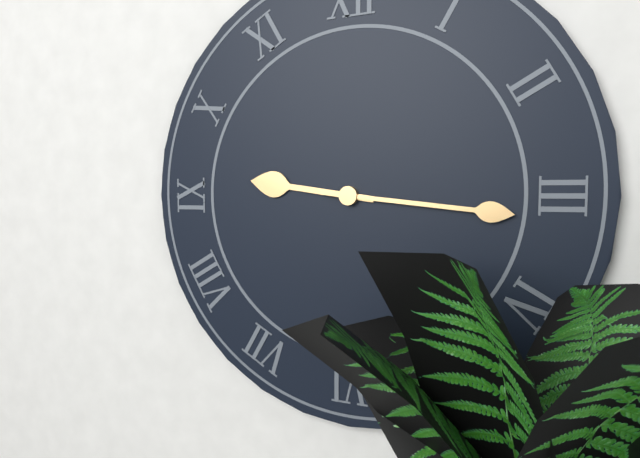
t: 9:16
